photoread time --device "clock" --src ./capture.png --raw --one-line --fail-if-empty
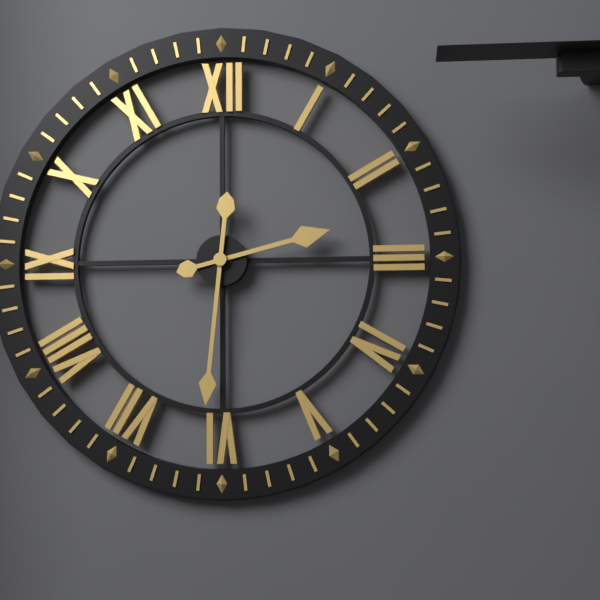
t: 2:31
